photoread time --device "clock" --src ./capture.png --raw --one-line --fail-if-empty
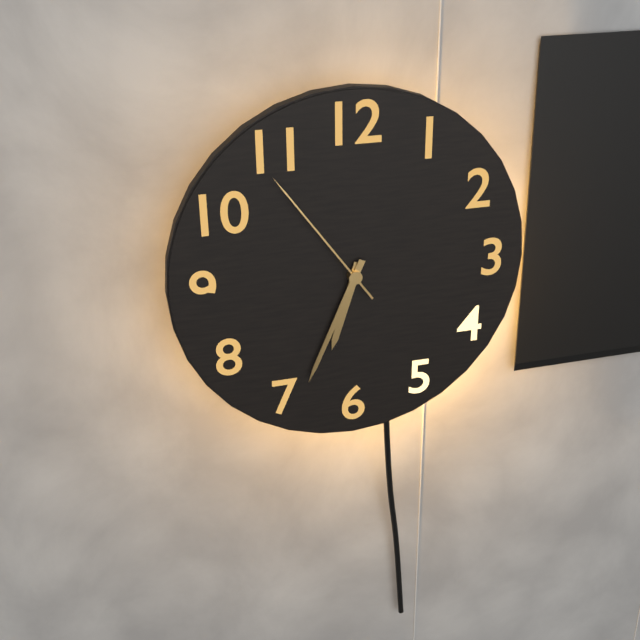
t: 6:34:54
